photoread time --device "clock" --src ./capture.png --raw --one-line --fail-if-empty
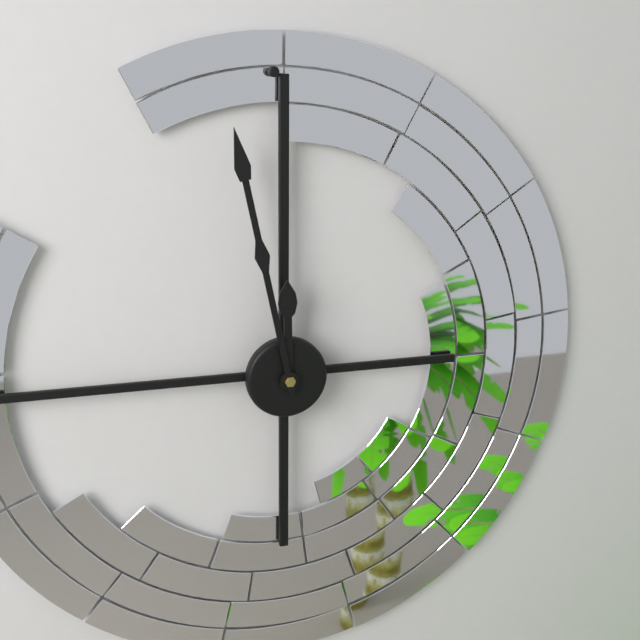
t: 11:58
